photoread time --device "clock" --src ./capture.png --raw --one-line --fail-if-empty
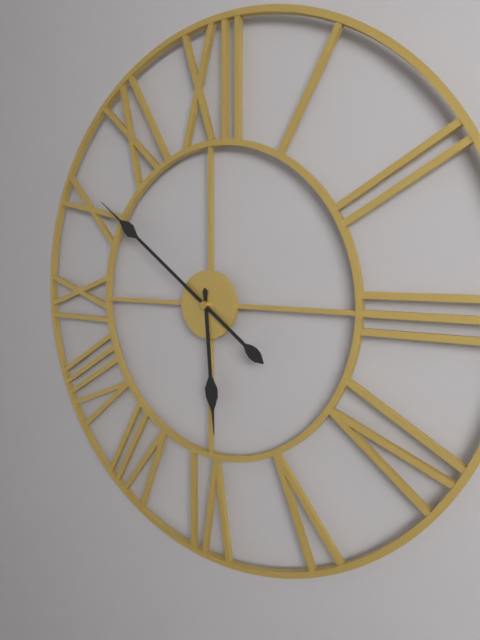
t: 5:51
